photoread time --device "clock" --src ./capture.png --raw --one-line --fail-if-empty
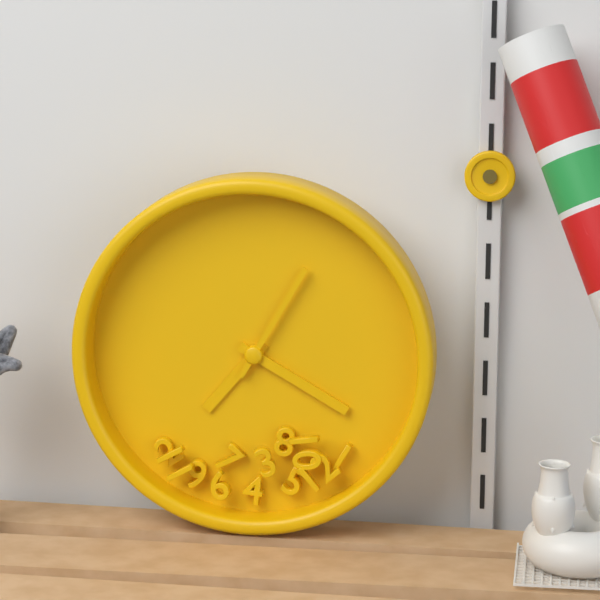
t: 7:20:05
